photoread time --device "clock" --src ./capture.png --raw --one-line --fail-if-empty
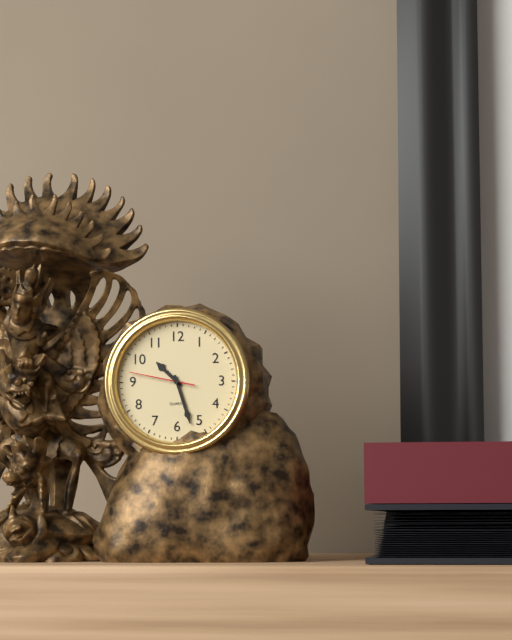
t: 10:27:47
